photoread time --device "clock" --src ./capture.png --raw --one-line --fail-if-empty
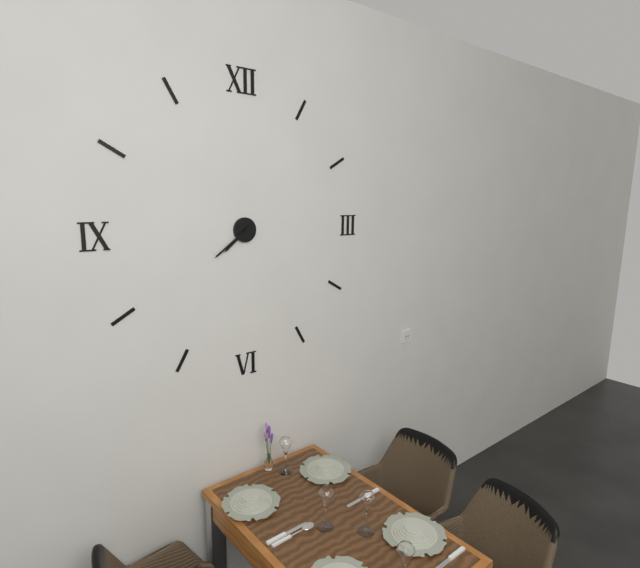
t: 7:39
